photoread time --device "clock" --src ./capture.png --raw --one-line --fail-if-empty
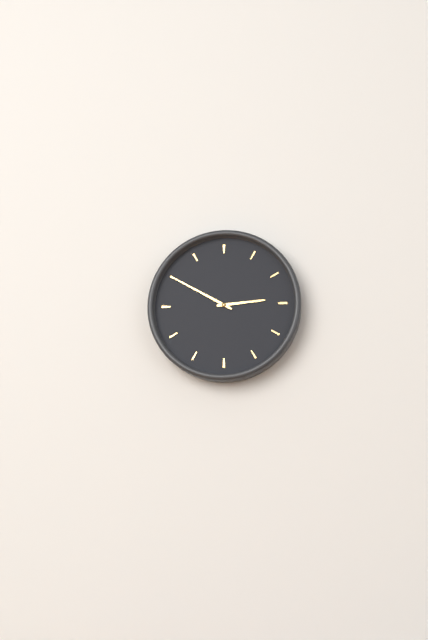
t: 2:50
